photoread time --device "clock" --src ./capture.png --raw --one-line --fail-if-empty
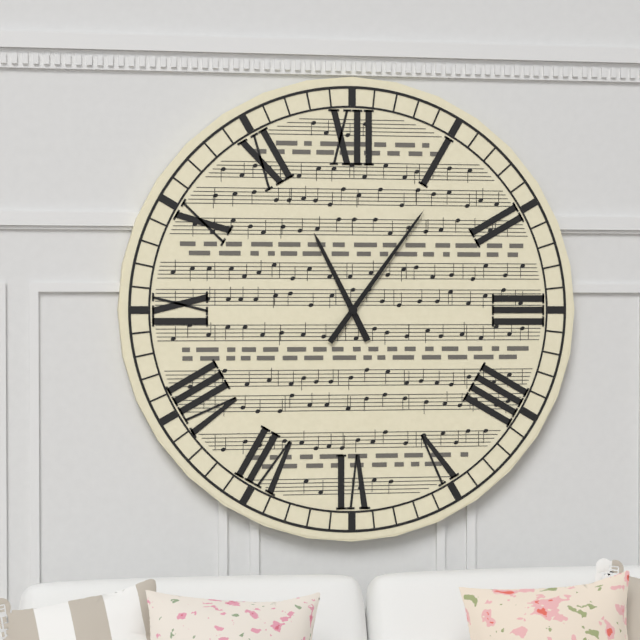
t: 11:06
